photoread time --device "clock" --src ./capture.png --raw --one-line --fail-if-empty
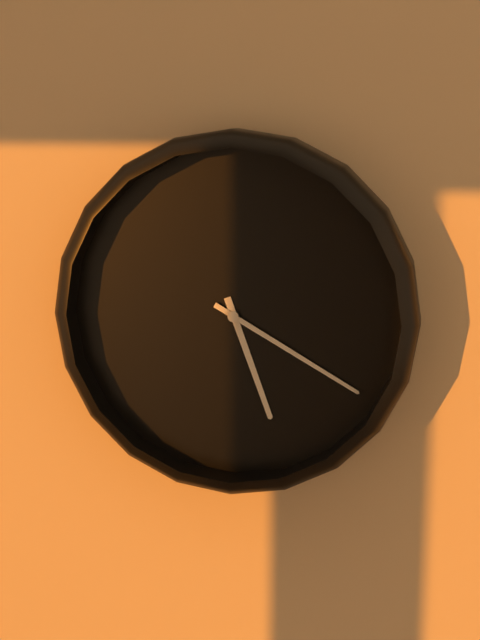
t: 5:20
